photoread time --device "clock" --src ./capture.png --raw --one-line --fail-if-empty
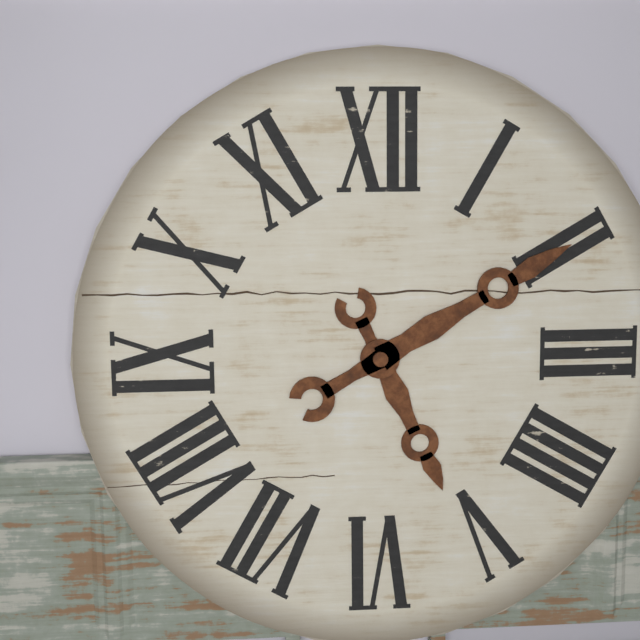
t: 5:10
